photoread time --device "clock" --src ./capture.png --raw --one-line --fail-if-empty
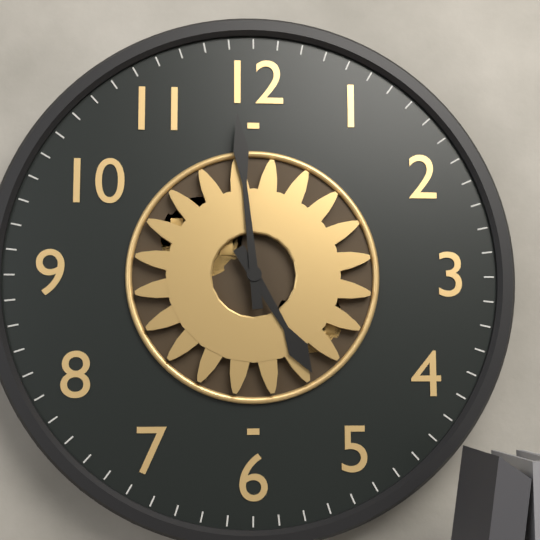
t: 4:59
